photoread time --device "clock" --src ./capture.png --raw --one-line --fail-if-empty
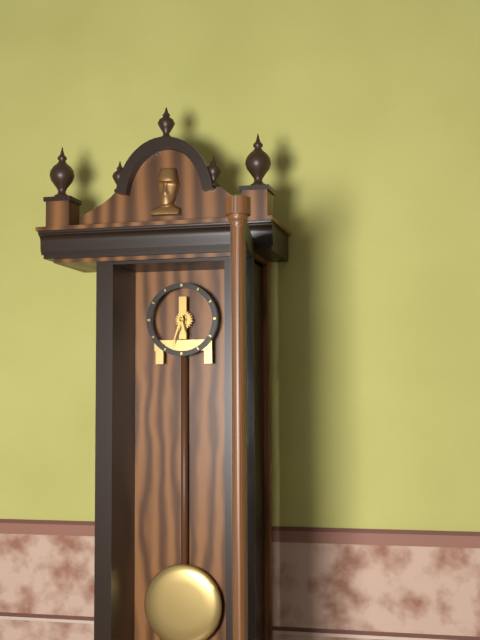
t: 5:33
